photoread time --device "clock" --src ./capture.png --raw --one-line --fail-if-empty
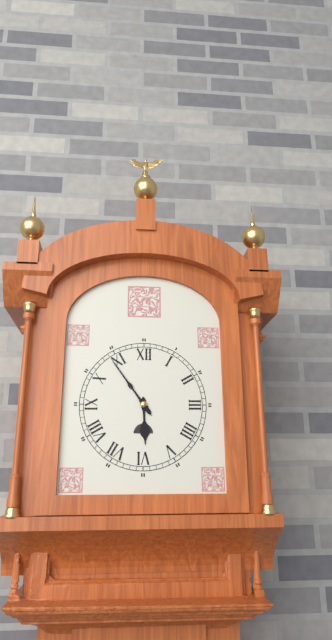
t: 5:54
